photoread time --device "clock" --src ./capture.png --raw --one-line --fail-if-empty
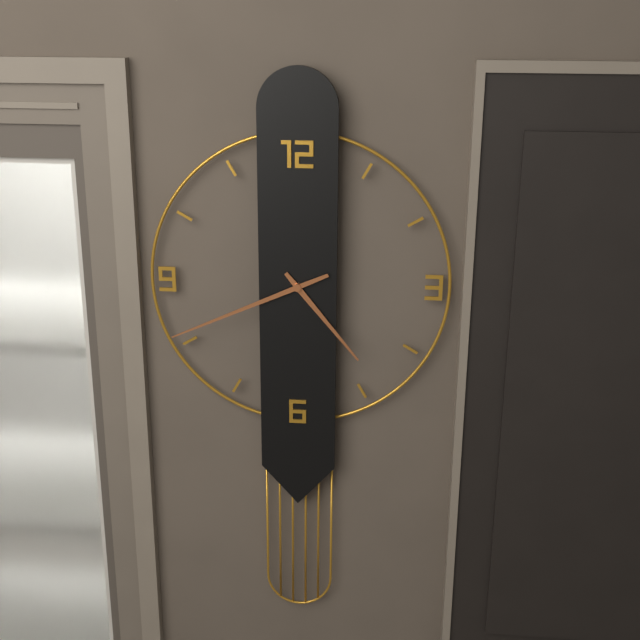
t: 4:41
